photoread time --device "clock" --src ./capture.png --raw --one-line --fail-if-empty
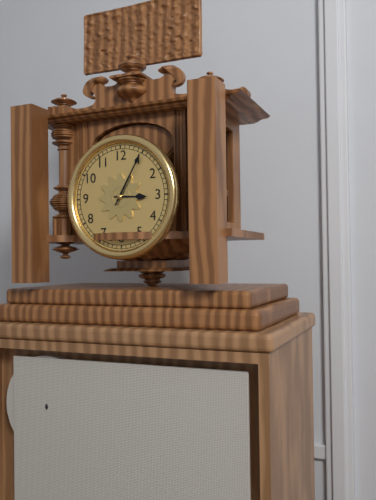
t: 3:05
